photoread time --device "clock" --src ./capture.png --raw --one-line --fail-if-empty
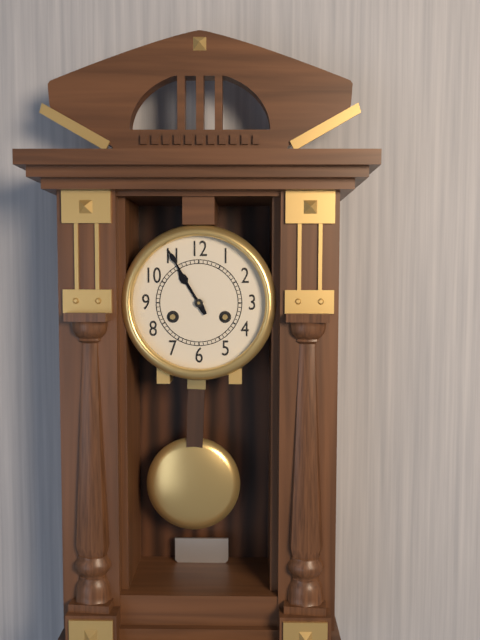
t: 10:55
